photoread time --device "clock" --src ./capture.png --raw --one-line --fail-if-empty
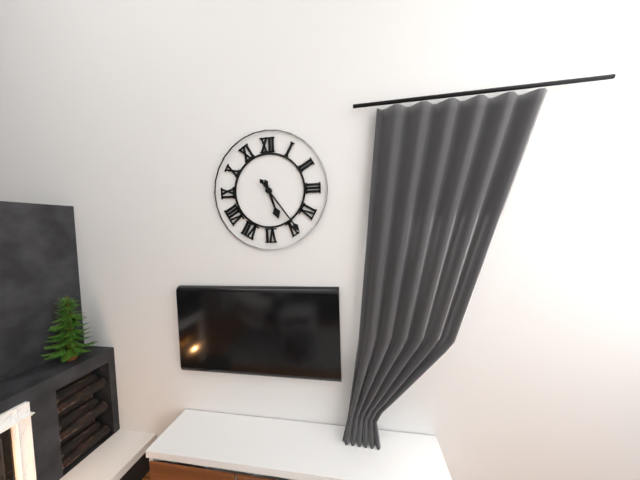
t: 5:24
